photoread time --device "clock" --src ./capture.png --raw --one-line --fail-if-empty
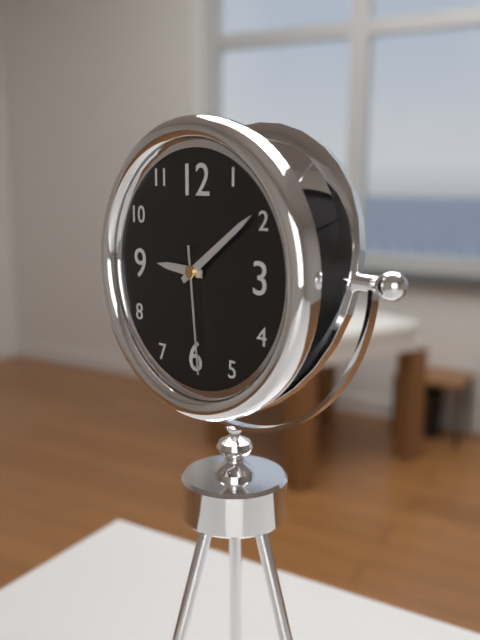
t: 9:09:29
